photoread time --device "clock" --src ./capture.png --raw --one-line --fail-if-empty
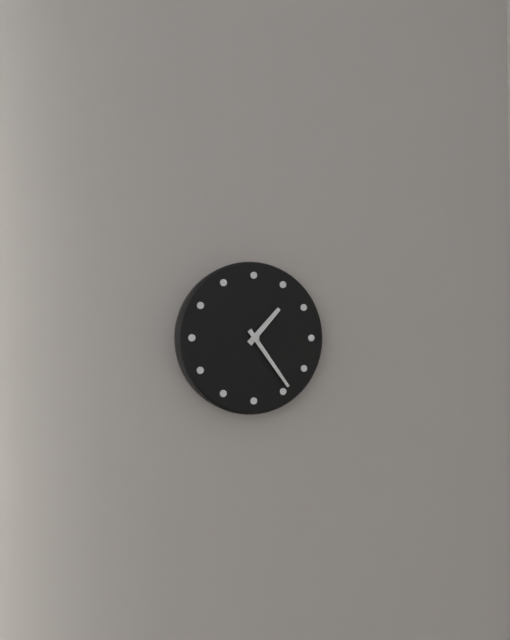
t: 1:24
